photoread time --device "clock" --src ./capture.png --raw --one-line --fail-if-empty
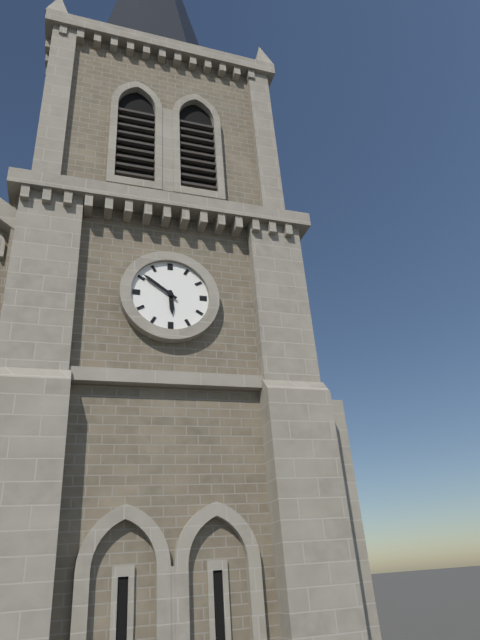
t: 5:51
